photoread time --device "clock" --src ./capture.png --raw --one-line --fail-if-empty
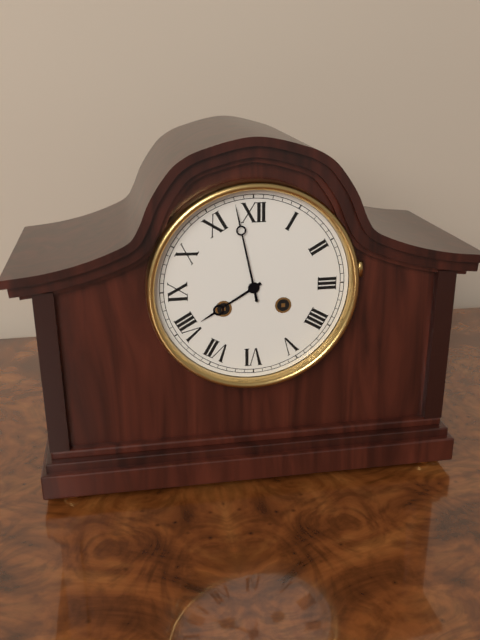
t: 7:58
